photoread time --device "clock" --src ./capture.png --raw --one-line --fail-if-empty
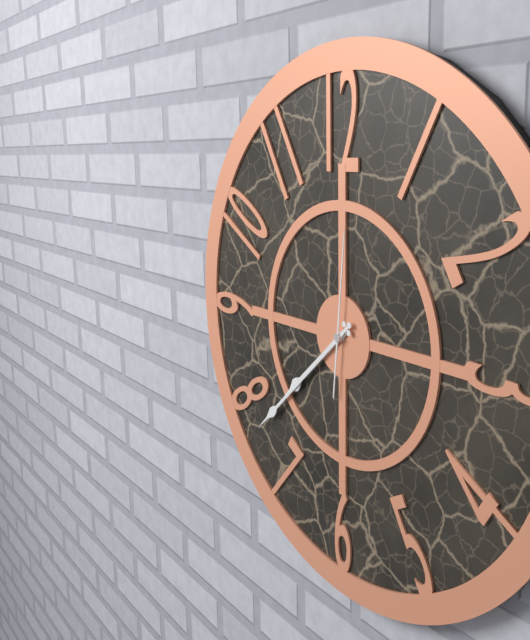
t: 7:38:01
